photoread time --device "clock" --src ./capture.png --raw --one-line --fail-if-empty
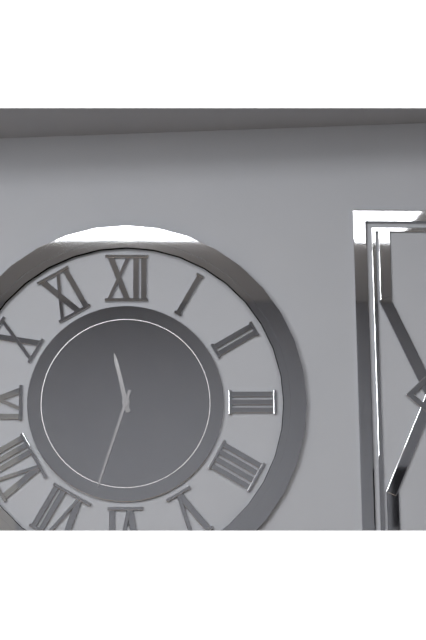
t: 11:33
